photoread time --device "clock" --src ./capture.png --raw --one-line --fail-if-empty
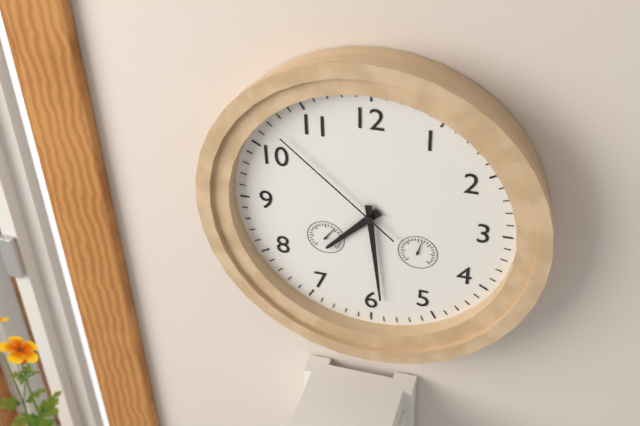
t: 7:29:52
